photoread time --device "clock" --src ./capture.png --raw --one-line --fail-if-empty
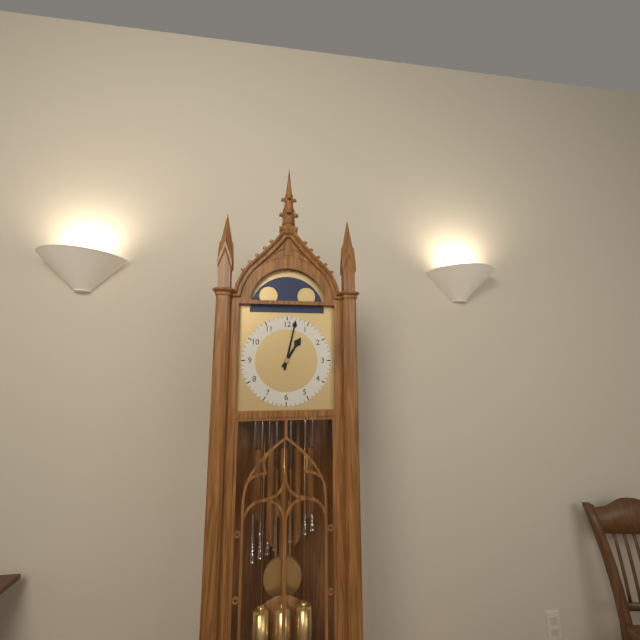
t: 1:02
